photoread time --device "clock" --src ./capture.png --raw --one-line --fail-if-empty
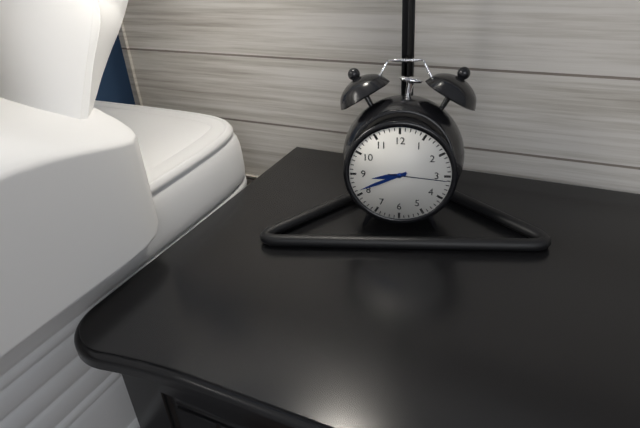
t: 8:41:16
